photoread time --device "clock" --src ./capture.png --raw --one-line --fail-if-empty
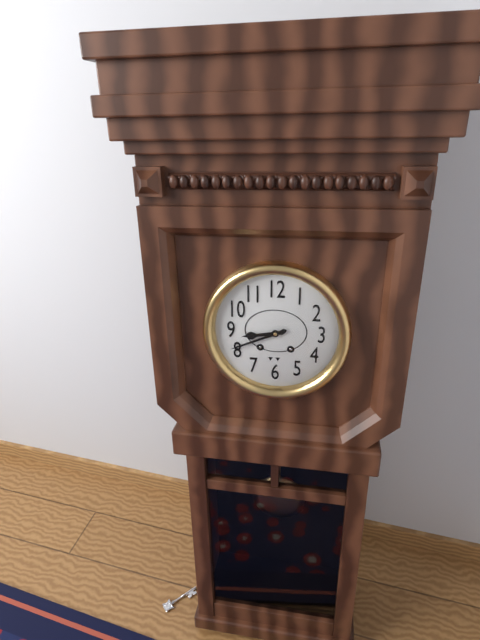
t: 8:41
